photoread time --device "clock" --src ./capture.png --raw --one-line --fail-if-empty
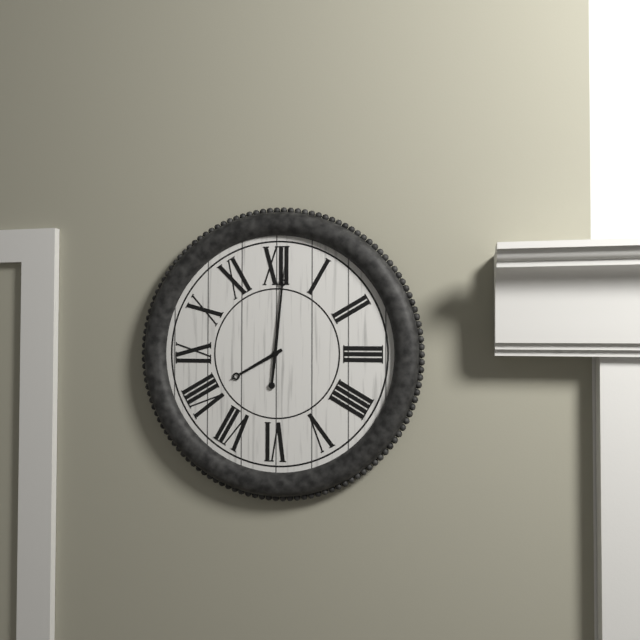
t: 8:01
